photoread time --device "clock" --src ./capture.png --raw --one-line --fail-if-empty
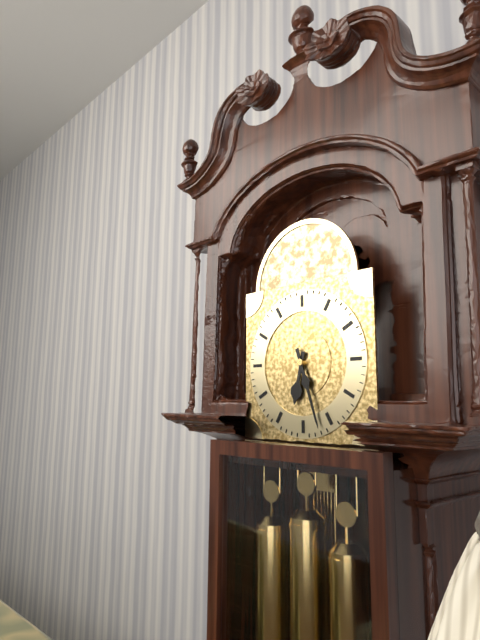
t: 6:27
